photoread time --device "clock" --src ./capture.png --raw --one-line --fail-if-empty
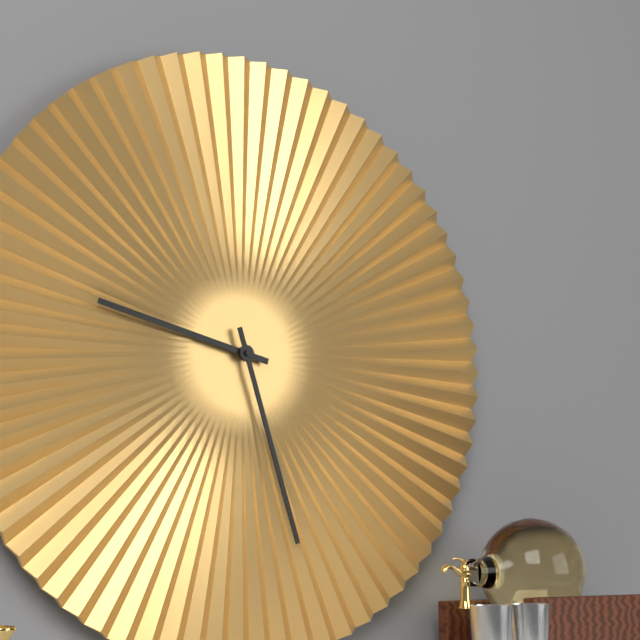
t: 9:27
